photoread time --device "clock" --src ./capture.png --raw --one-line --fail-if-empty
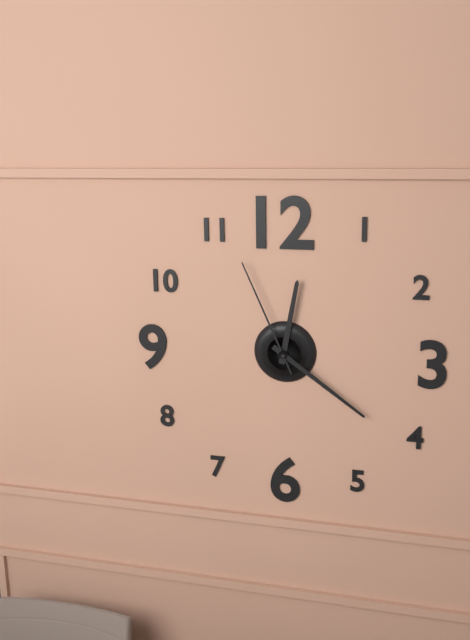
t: 12:21:56
